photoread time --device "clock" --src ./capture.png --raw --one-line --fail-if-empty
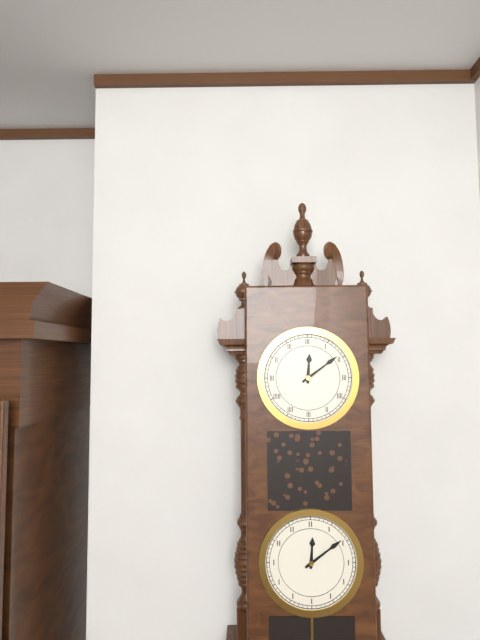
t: 12:09
